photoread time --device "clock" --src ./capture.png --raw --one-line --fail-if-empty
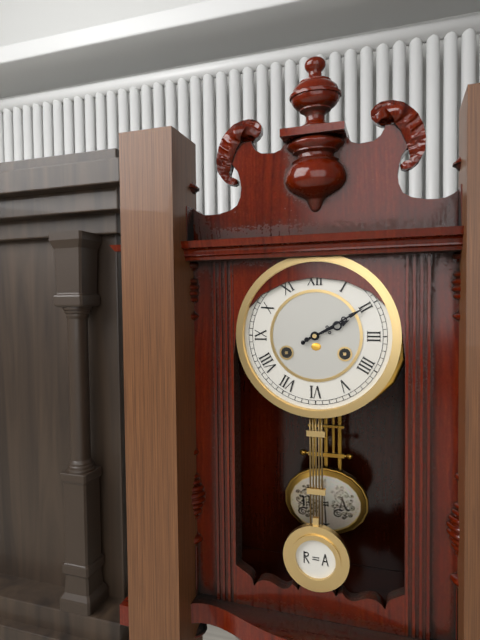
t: 2:10
